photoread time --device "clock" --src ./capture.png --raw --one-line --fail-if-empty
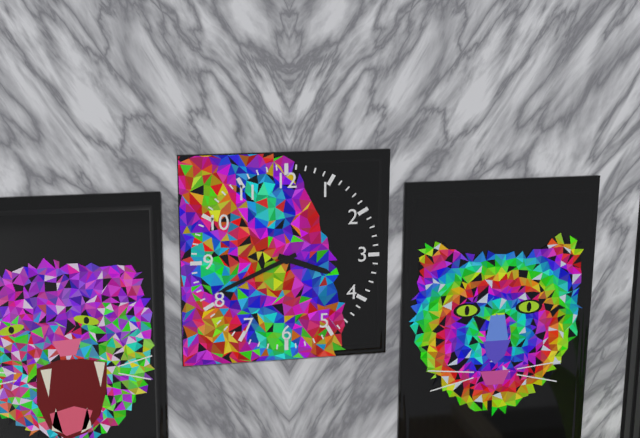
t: 3:41
